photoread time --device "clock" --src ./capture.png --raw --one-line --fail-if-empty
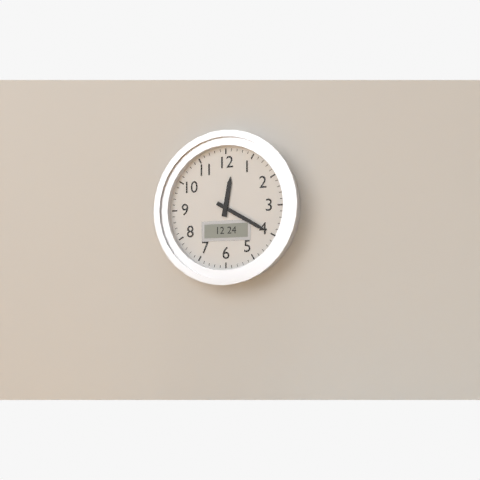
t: 12:20
